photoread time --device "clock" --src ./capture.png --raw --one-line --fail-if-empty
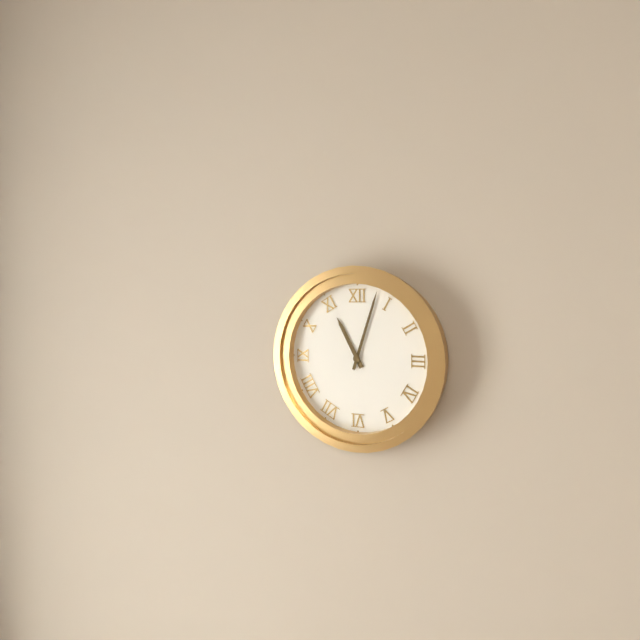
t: 11:03
